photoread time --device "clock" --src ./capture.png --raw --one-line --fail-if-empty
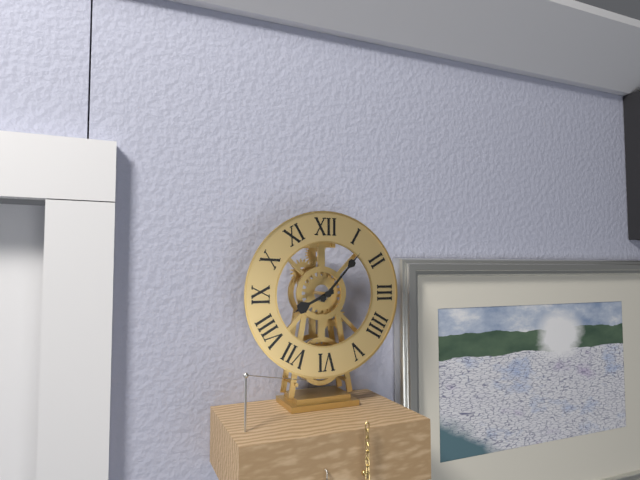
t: 8:07
